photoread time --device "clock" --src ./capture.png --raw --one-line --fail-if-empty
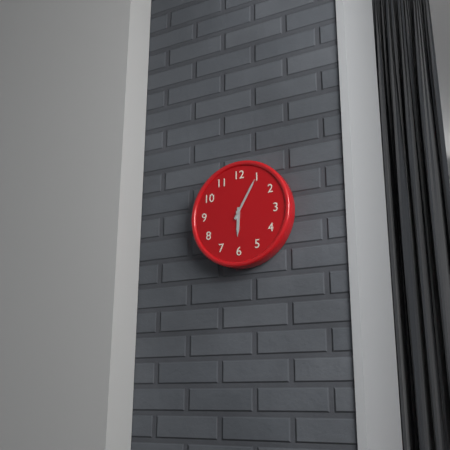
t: 6:05
